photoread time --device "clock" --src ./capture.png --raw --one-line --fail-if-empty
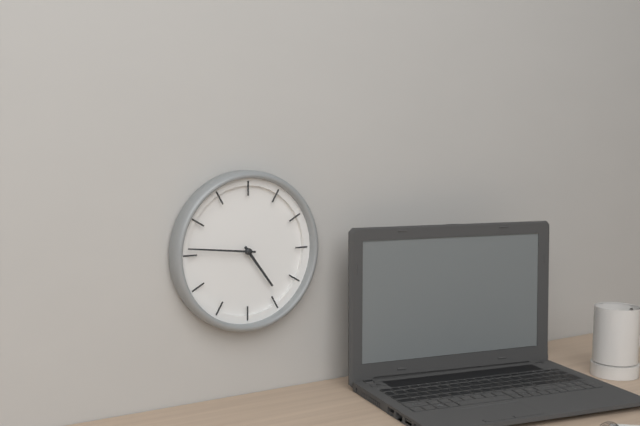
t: 4:46
